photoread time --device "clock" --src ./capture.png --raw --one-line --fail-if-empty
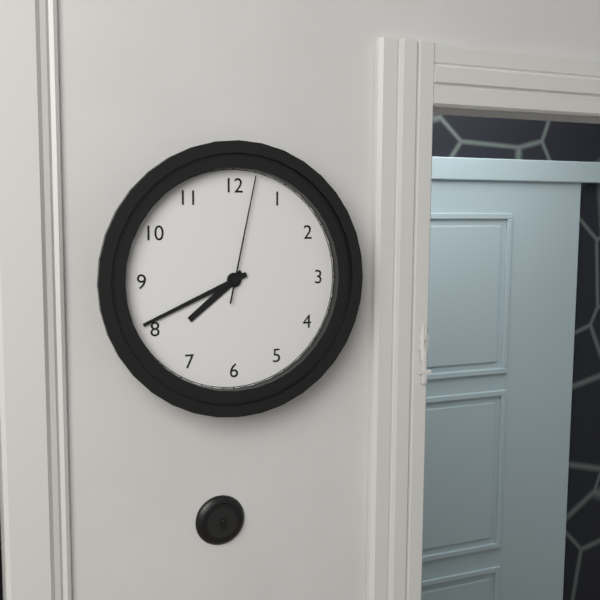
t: 7:41:02
